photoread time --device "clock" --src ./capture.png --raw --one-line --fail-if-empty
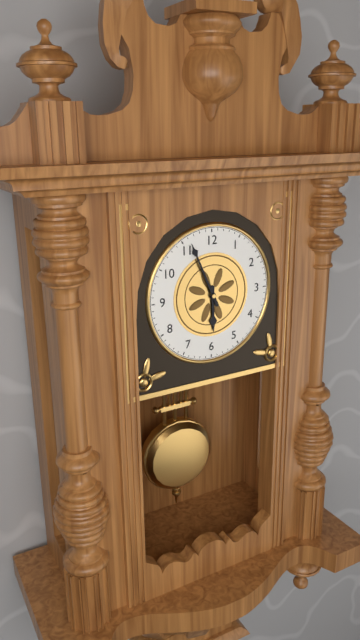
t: 5:56
